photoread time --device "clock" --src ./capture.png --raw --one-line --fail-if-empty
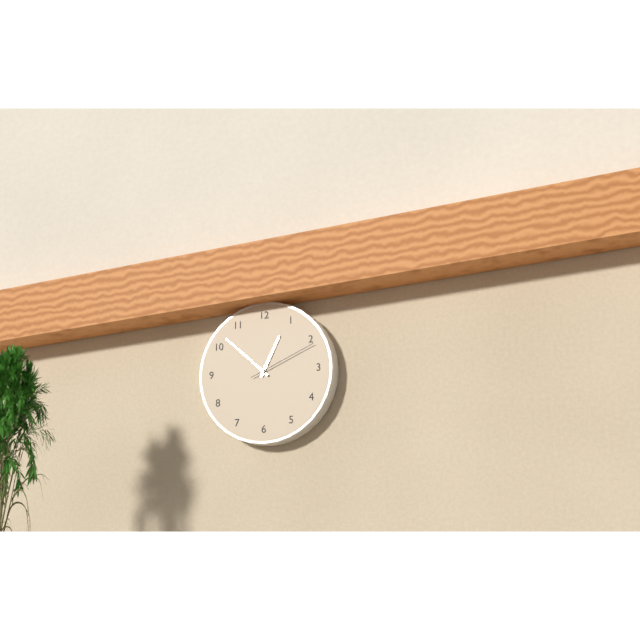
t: 12:52:11
